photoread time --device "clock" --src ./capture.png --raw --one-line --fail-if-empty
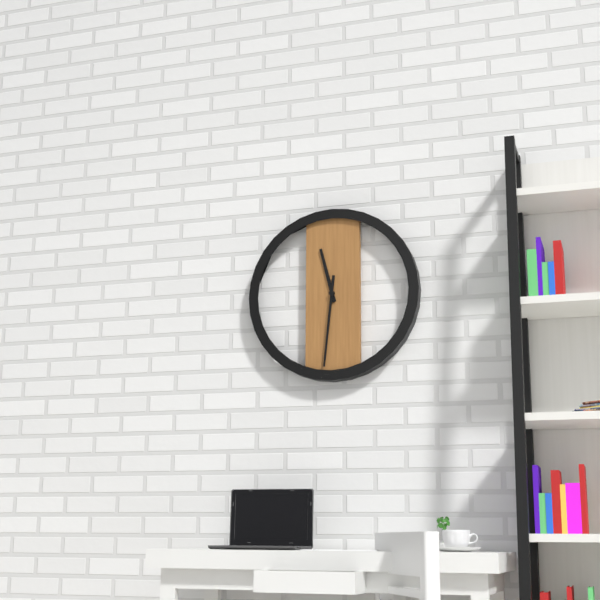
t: 11:31
